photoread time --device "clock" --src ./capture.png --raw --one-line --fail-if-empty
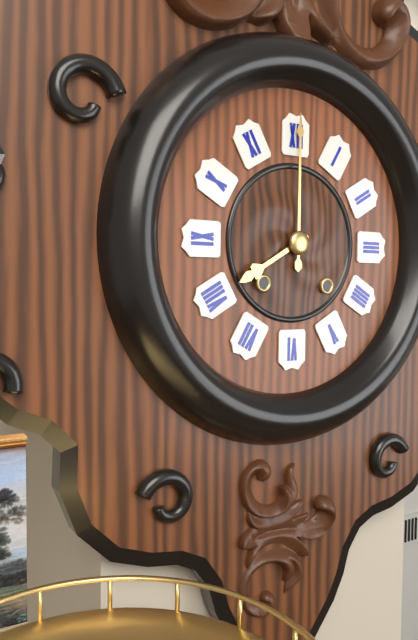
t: 8:00
